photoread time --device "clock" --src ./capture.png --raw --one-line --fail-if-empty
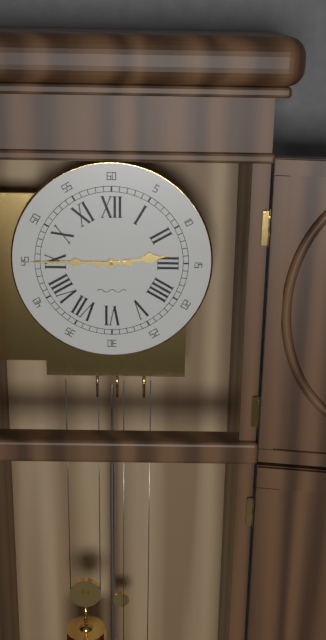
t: 2:45
